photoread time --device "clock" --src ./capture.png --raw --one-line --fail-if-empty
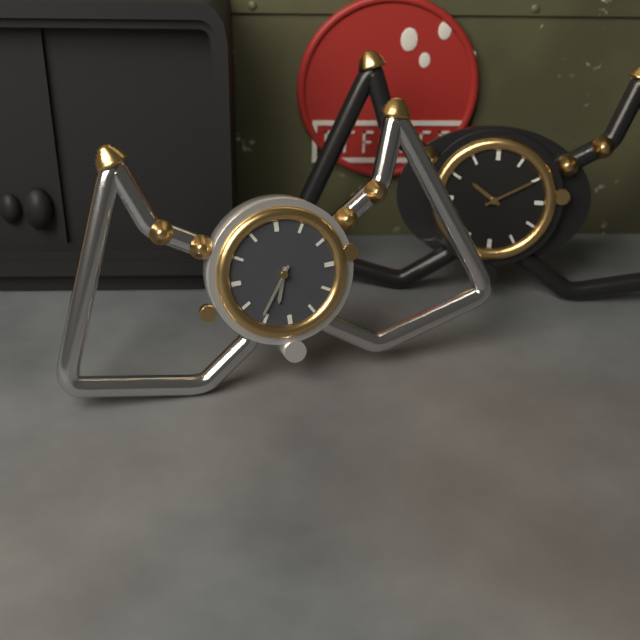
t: 6:36
